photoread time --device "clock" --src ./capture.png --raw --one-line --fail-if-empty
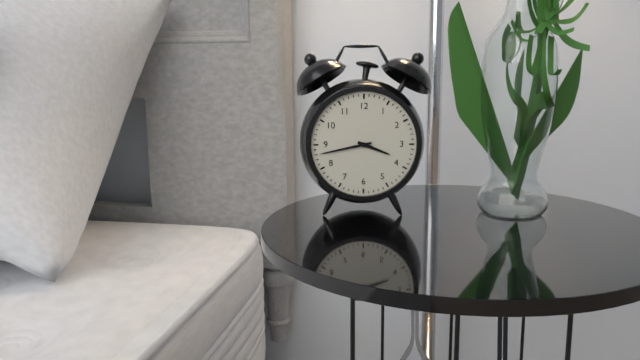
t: 3:43
